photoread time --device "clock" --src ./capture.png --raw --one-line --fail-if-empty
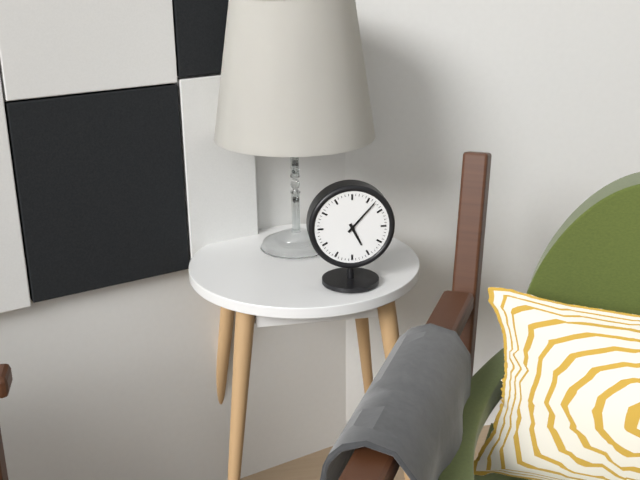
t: 5:07
